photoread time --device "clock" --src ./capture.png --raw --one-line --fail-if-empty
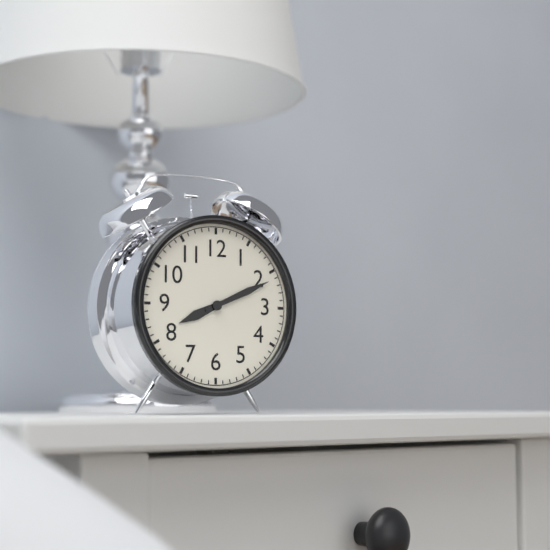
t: 8:11
